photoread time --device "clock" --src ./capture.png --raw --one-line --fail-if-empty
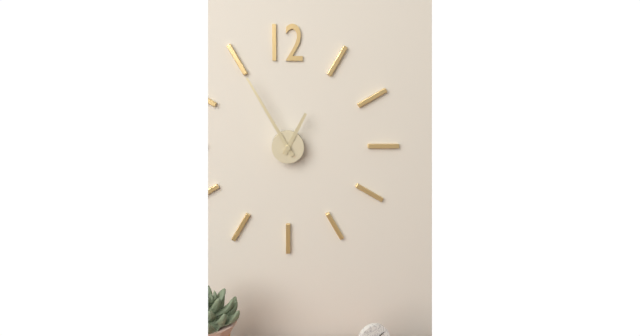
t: 12:55
